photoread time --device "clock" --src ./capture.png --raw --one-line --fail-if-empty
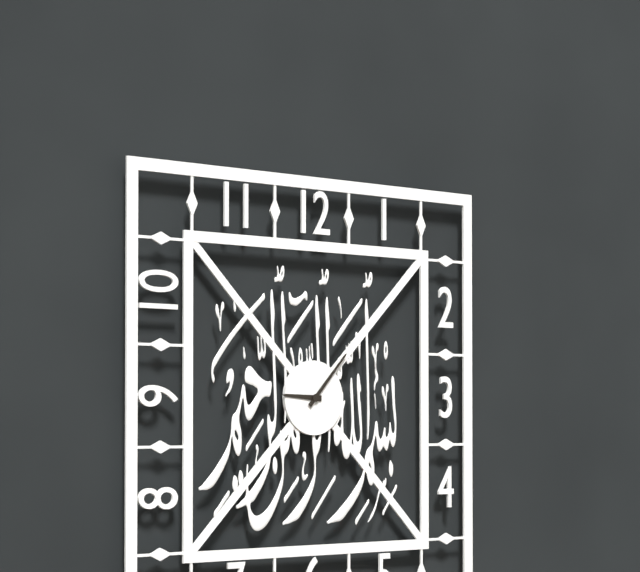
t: 9:07
